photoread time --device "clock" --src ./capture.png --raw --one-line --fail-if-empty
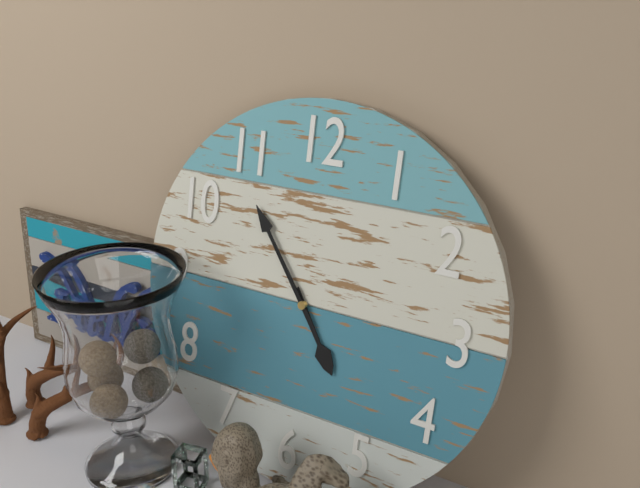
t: 4:54
